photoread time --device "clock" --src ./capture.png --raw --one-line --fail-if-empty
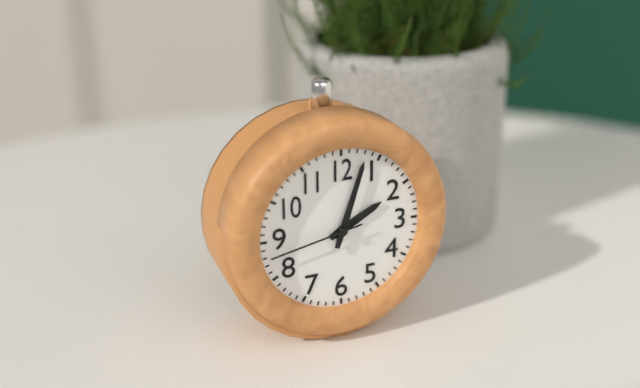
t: 2:03:43
